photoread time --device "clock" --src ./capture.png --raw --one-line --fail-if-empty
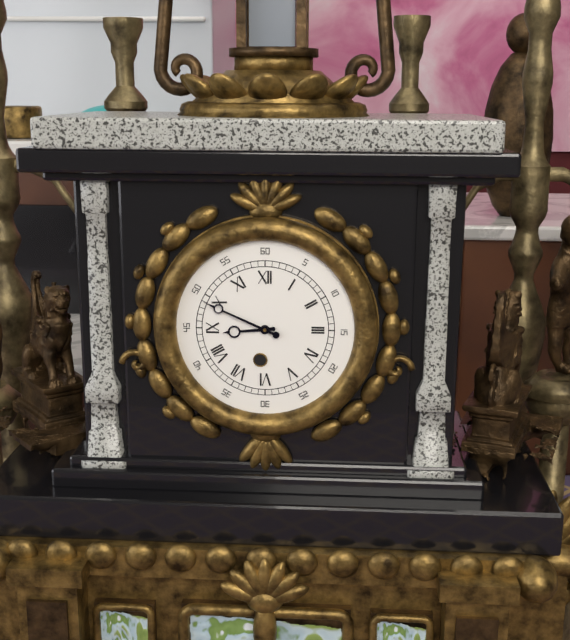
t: 8:49
